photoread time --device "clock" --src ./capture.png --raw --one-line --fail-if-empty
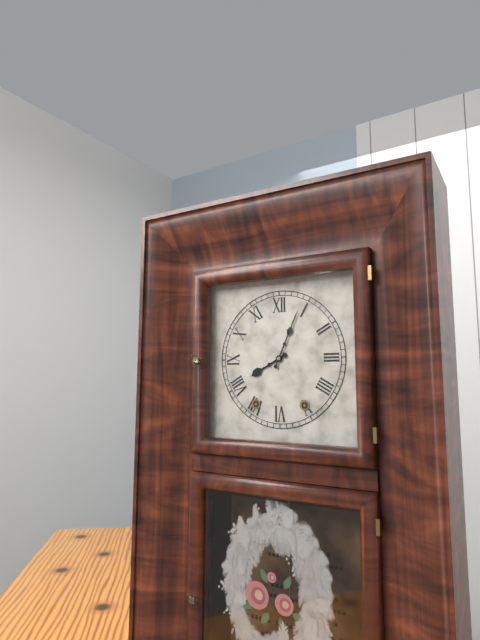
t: 8:04
